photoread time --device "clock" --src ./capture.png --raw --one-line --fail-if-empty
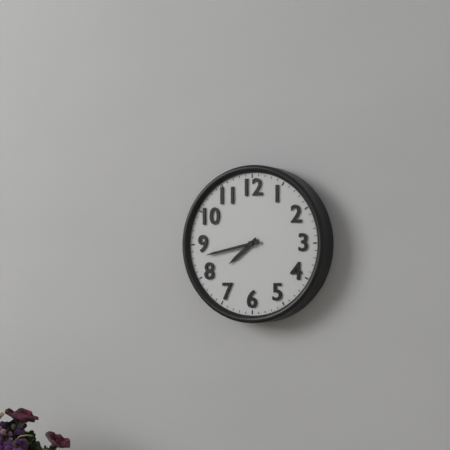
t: 7:43
